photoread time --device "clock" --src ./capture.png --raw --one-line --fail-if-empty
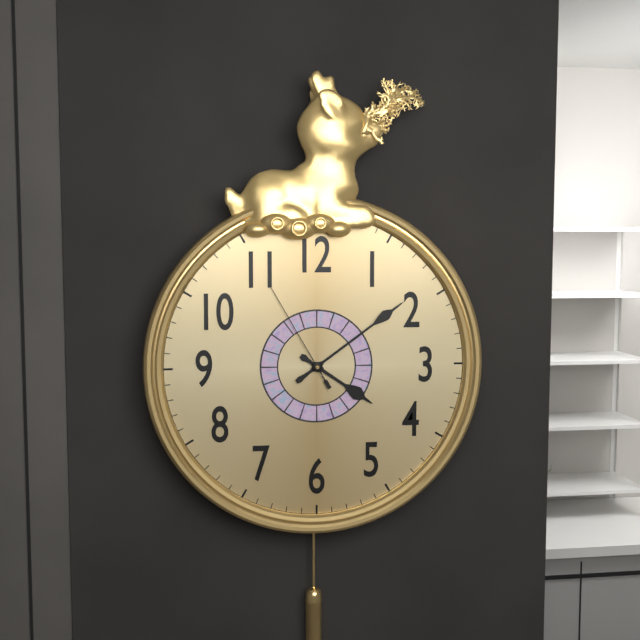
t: 4:09:55
